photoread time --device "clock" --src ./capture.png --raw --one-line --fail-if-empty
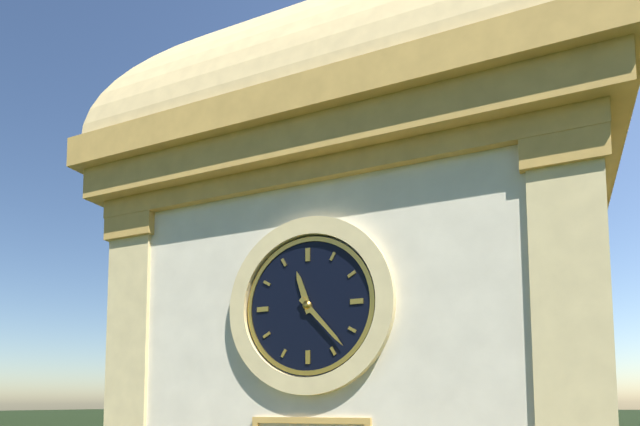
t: 11:23
